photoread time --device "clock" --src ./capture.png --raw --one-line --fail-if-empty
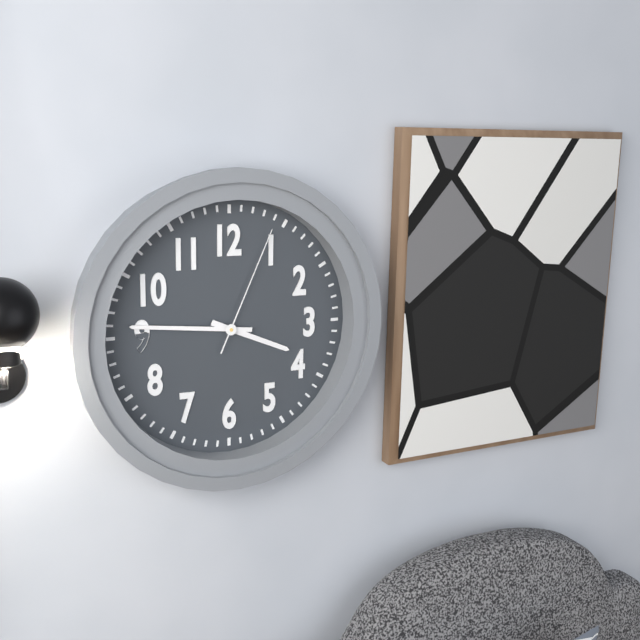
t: 3:46:04
